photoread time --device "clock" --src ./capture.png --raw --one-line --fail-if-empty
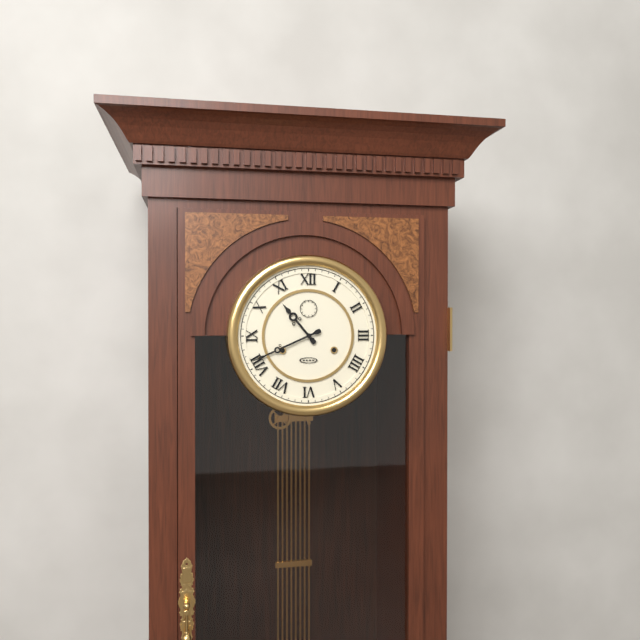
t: 10:41
